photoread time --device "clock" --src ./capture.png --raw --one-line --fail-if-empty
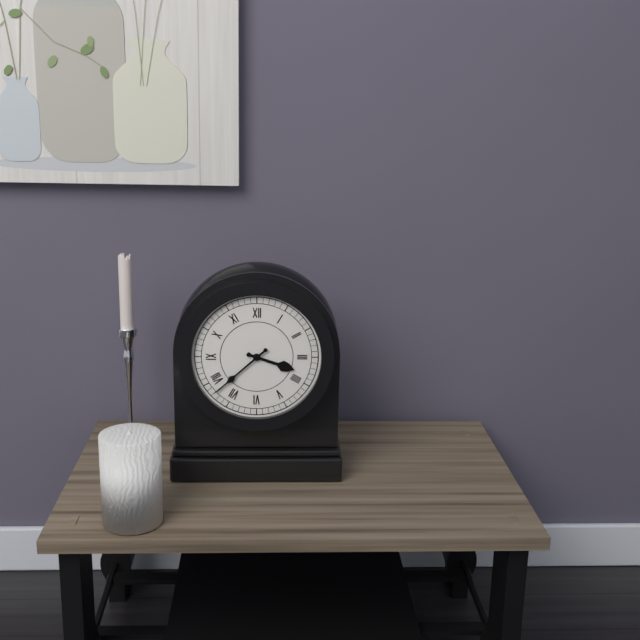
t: 3:38
